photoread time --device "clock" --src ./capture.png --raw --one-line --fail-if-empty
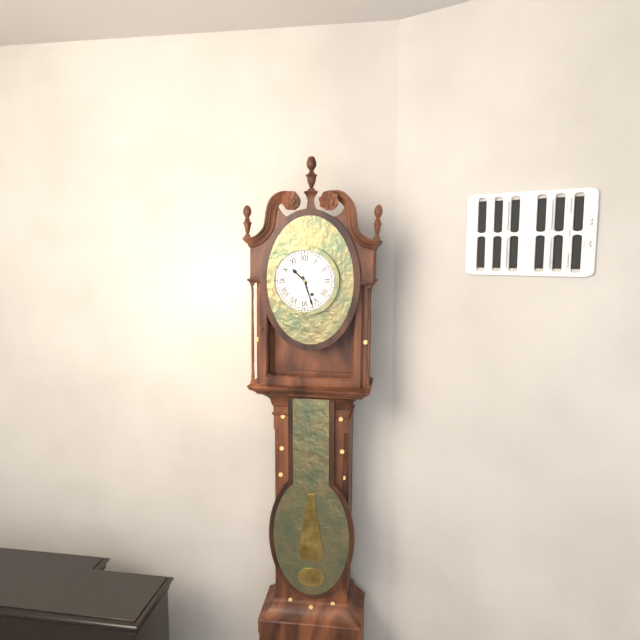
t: 10:27
